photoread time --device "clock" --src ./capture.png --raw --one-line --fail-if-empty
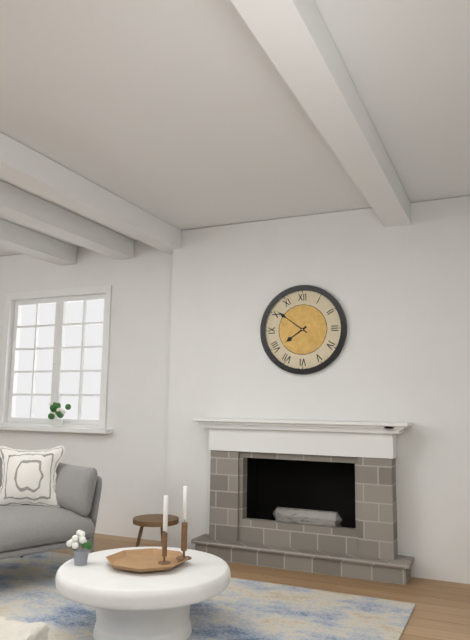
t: 7:51
